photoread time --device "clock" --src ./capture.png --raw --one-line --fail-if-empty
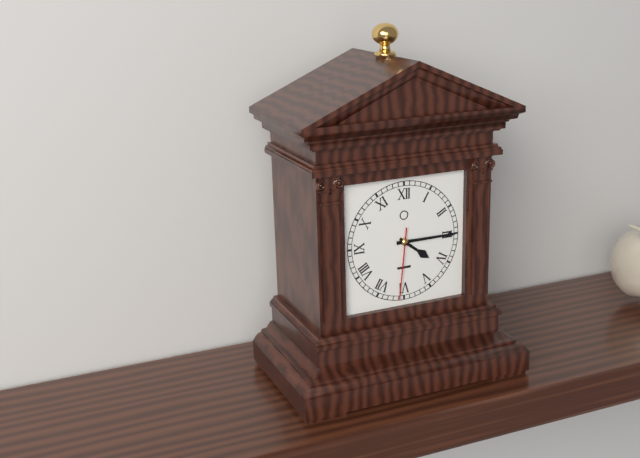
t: 4:15:31
